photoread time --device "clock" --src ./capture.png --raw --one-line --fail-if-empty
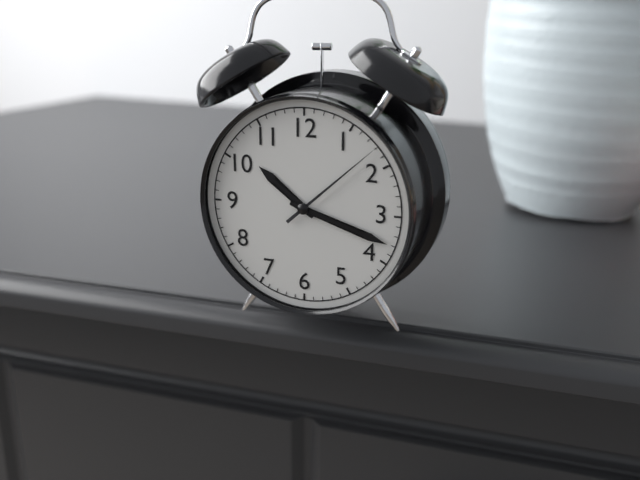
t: 10:18:08
